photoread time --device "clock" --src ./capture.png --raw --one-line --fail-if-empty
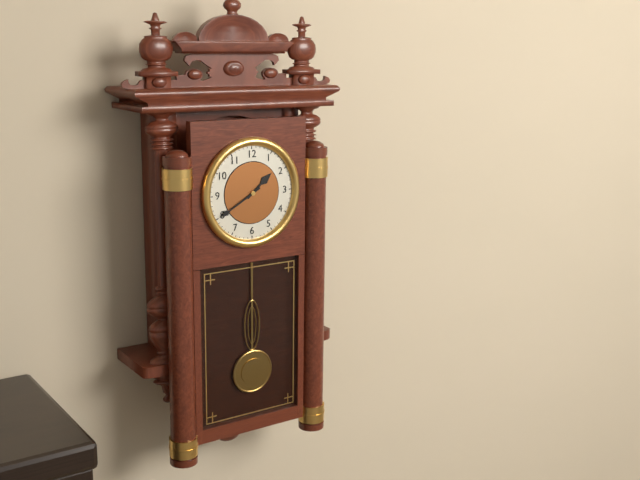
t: 1:40
